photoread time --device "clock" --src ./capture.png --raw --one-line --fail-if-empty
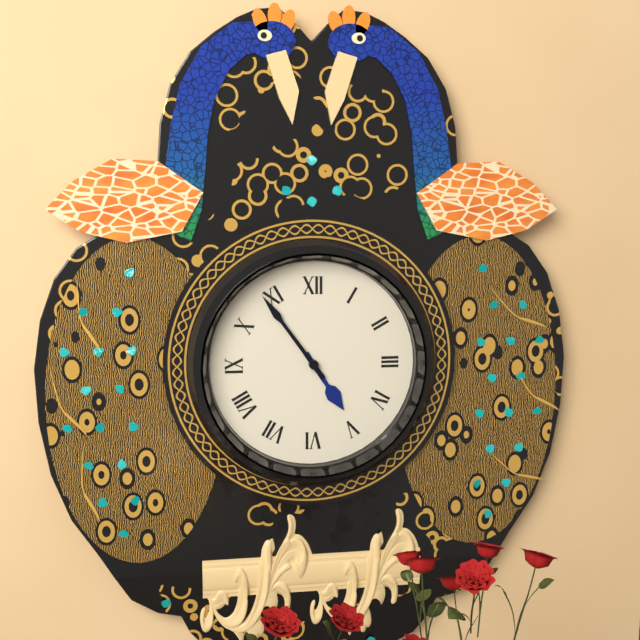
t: 4:54
